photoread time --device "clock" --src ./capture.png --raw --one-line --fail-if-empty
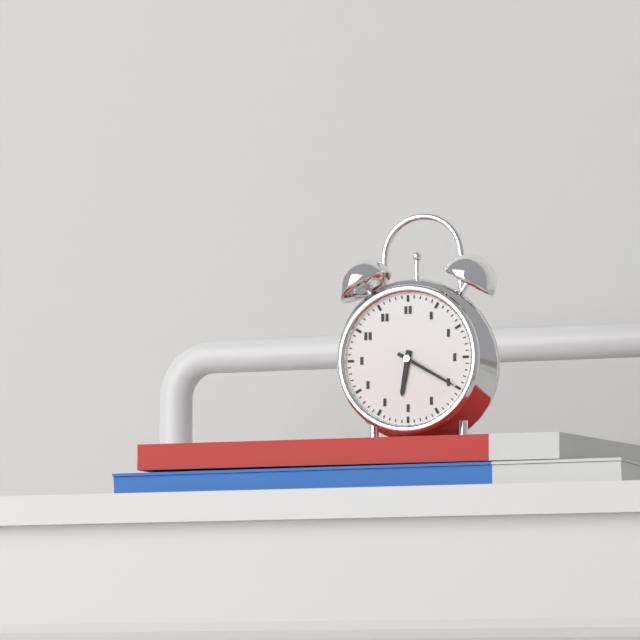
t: 6:20
